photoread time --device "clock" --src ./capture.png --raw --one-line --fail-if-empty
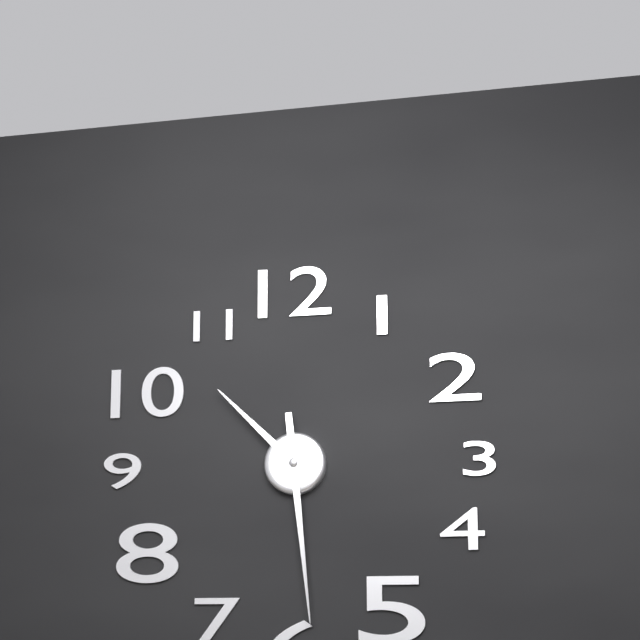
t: 10:29
